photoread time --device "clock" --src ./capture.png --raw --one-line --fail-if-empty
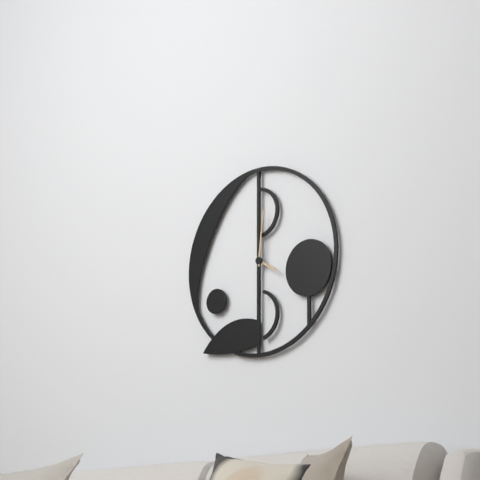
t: 4:01
